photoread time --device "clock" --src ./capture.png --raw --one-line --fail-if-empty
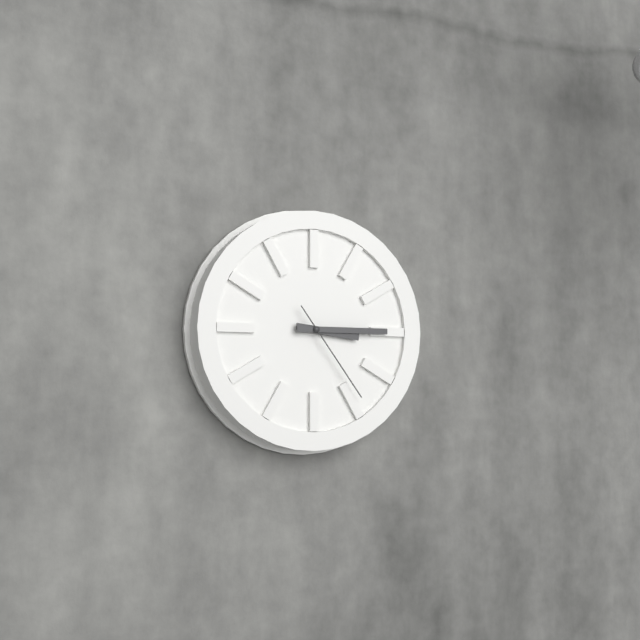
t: 3:15:24
